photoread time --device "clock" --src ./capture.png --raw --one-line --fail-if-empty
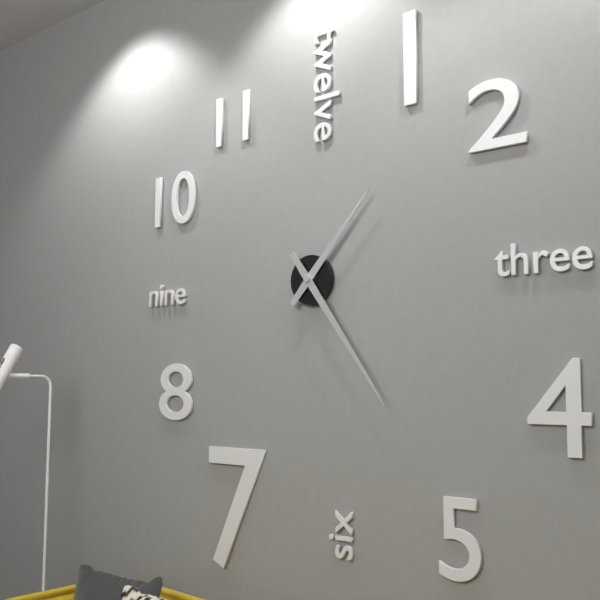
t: 1:24
